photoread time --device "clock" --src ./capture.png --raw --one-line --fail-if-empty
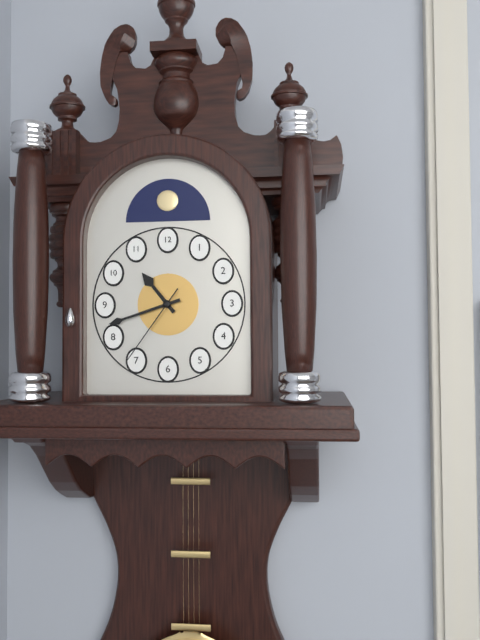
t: 10:42:36
